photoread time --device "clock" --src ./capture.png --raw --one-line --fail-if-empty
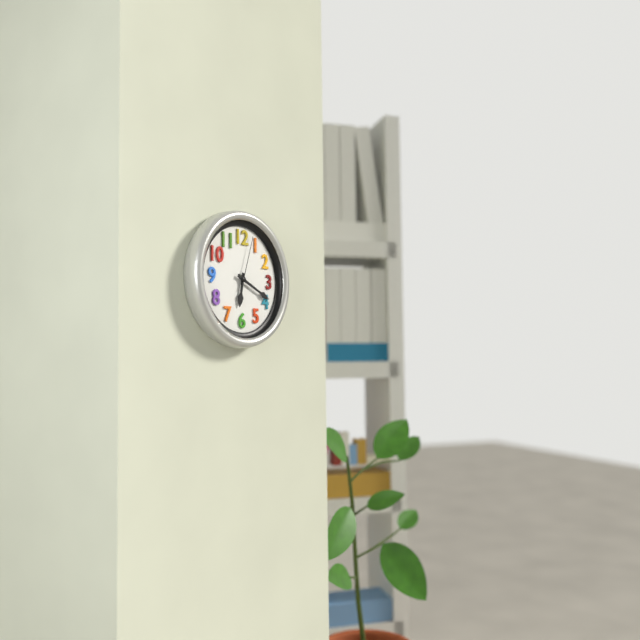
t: 6:19:03
